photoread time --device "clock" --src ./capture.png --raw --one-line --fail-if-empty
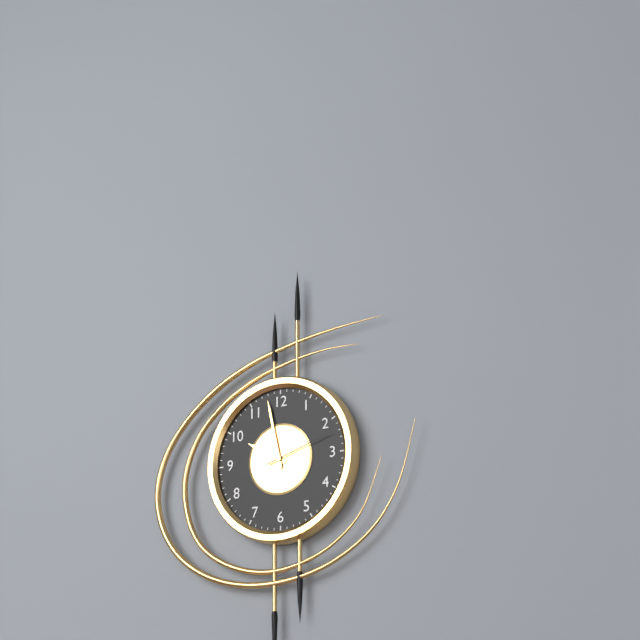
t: 9:58:12
